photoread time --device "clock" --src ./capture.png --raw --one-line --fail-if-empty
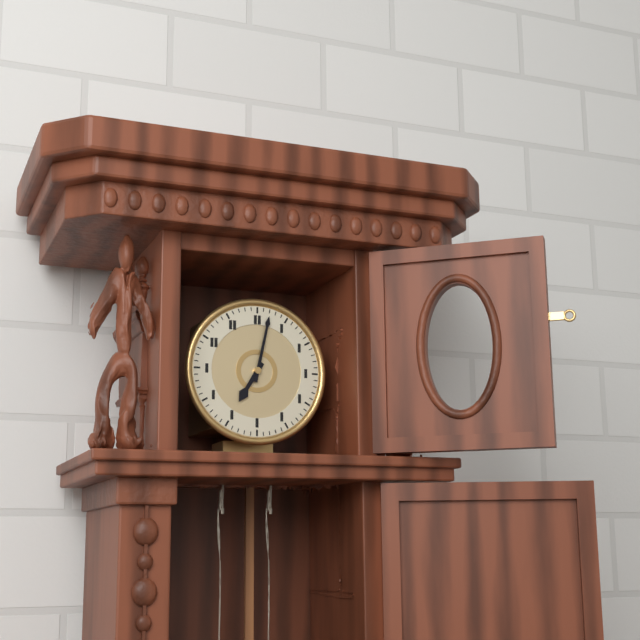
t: 7:02
